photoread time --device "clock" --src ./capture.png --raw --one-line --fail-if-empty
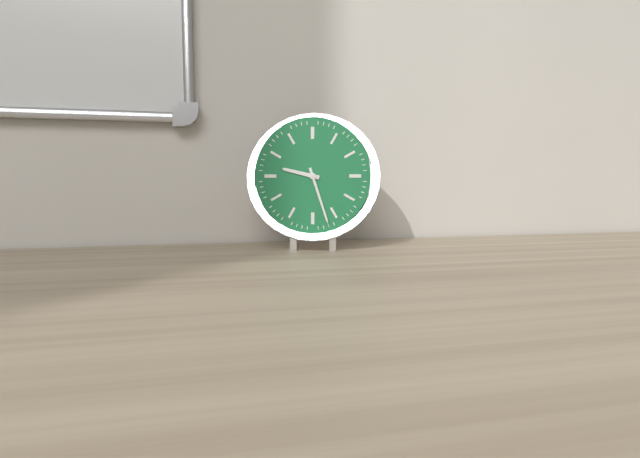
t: 9:27
